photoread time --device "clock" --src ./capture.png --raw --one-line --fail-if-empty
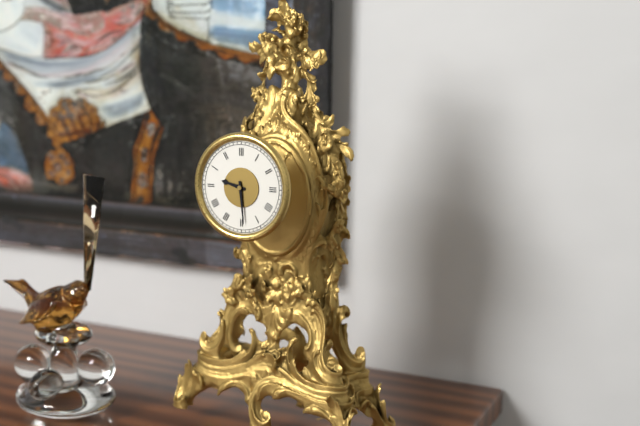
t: 9:29
